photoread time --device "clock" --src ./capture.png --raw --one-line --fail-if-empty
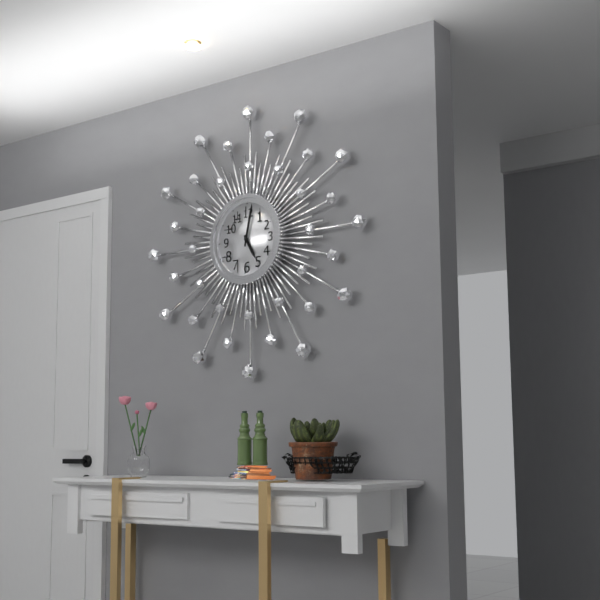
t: 5:02
